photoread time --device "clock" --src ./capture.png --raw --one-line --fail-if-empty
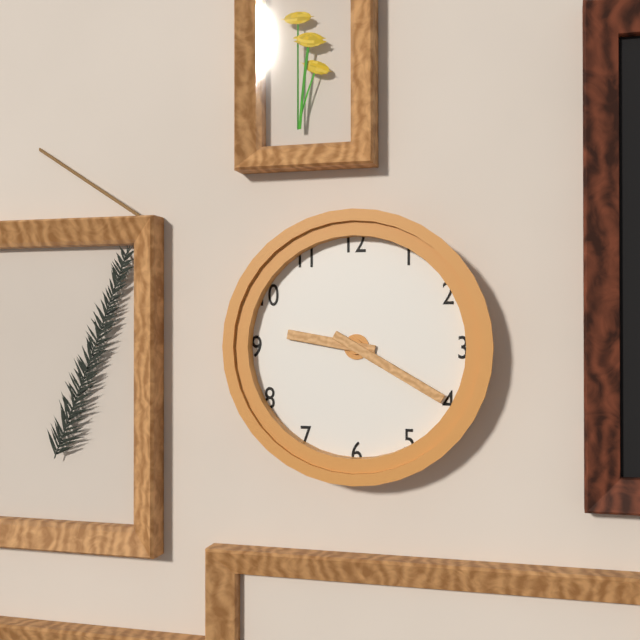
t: 9:20
